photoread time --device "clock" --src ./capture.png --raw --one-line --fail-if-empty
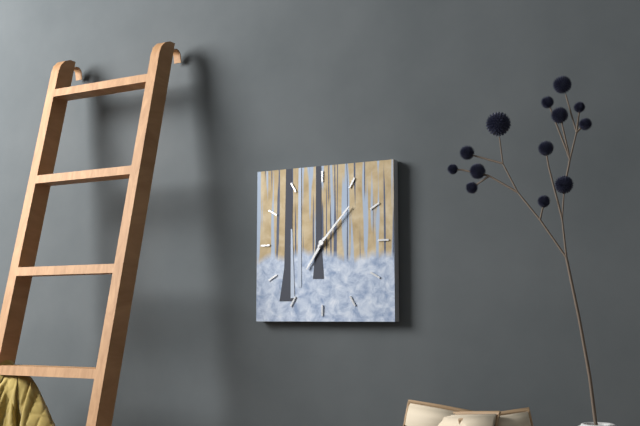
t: 7:07
